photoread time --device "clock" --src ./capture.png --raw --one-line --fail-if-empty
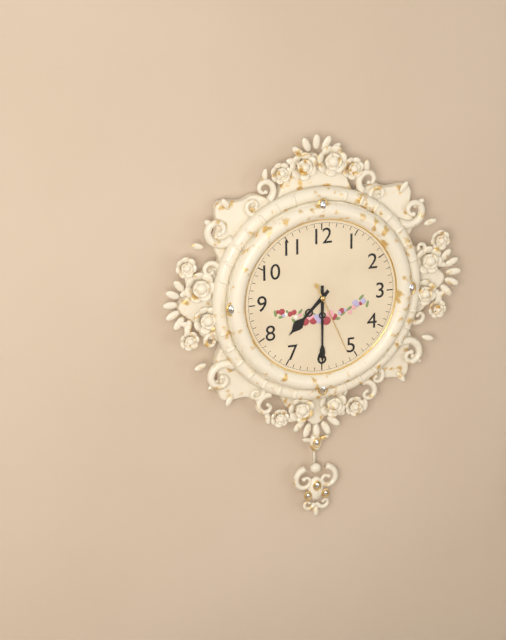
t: 7:30:26
